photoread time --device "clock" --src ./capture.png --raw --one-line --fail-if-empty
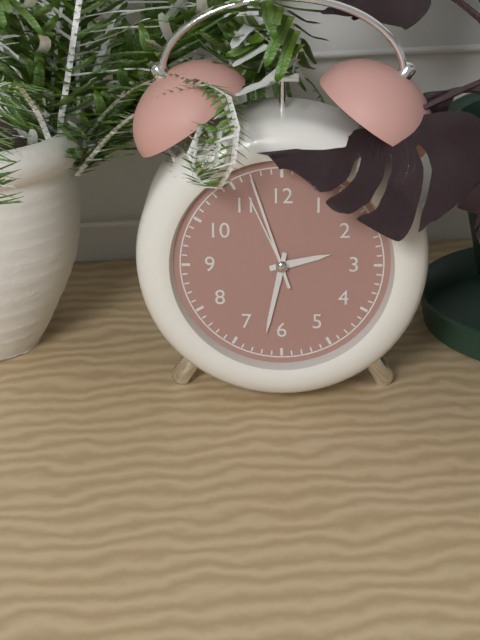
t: 2:32:57
